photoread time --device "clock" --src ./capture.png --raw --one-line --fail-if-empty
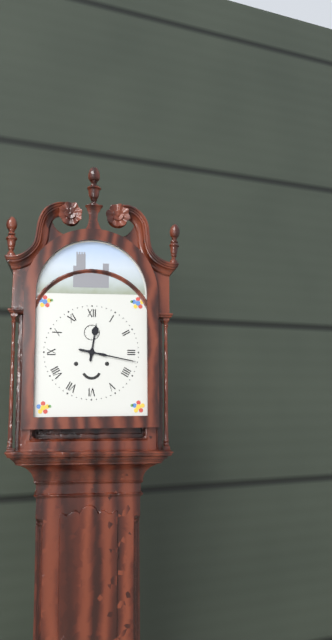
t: 12:17
